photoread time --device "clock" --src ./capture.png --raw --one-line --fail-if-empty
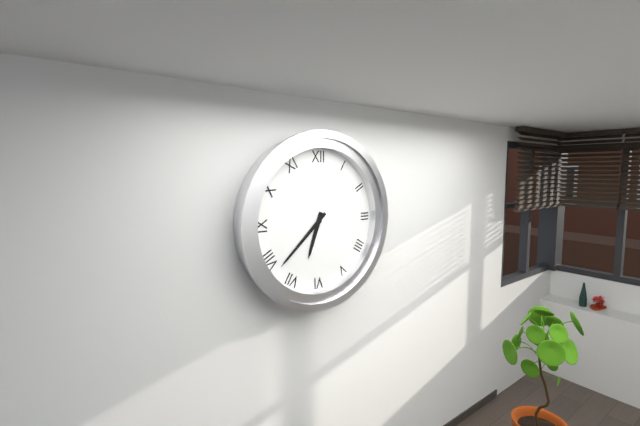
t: 6:38
